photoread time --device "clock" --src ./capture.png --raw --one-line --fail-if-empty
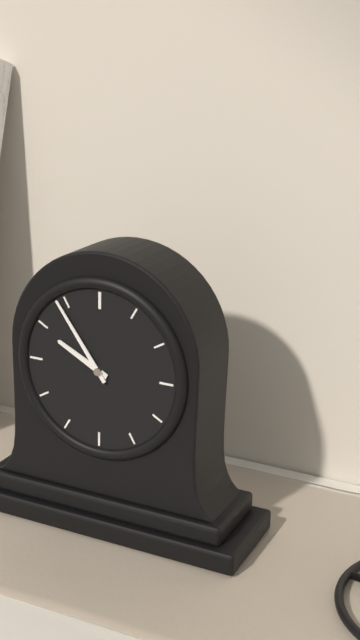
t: 9:54
